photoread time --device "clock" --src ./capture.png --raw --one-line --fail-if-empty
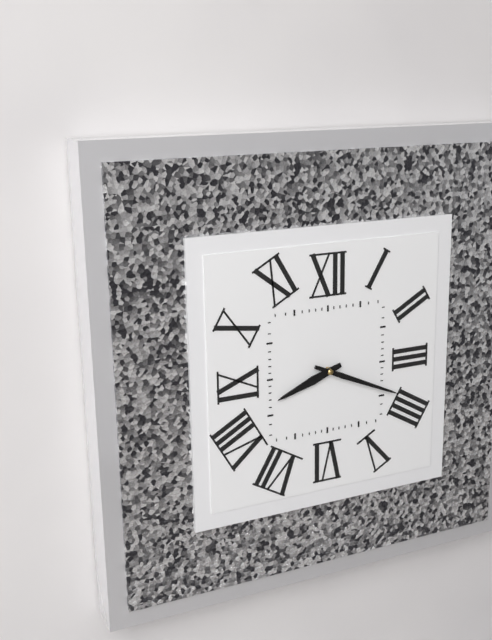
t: 8:19
